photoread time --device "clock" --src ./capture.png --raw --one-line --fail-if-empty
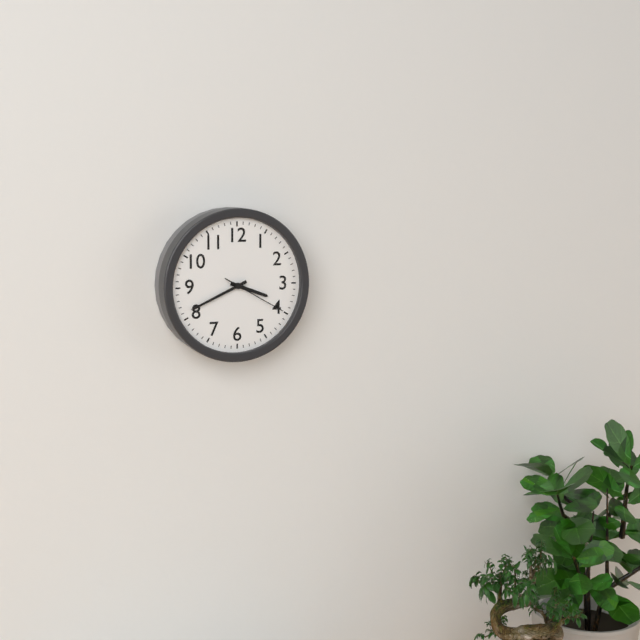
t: 3:41:20
